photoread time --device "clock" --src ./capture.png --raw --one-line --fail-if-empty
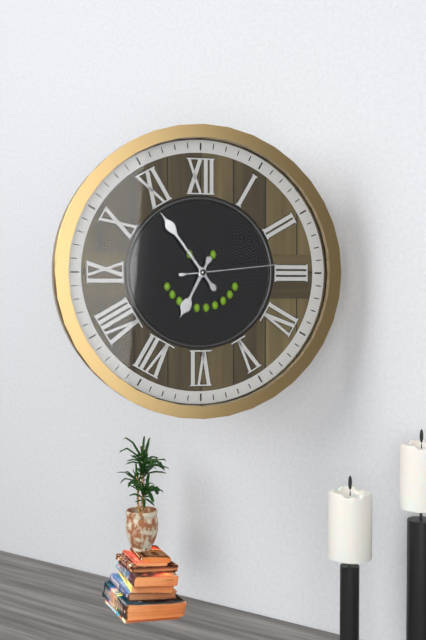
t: 6:54:14
